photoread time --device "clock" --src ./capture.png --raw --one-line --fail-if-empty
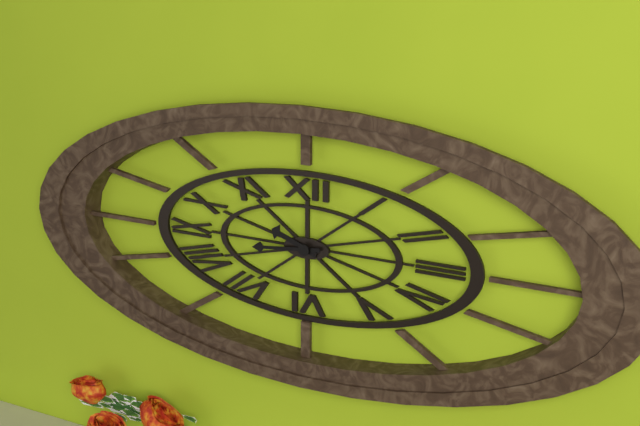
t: 9:44
